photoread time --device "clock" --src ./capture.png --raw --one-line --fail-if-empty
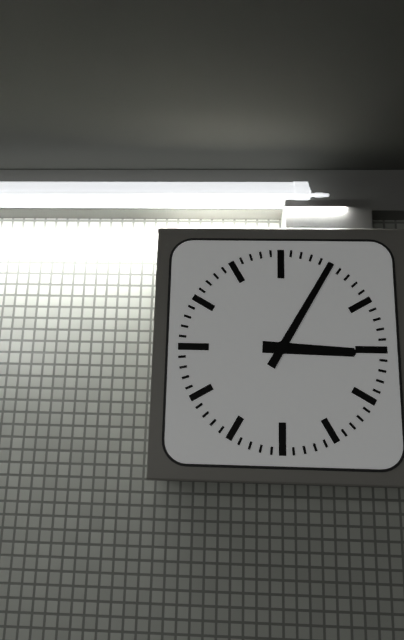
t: 3:05
